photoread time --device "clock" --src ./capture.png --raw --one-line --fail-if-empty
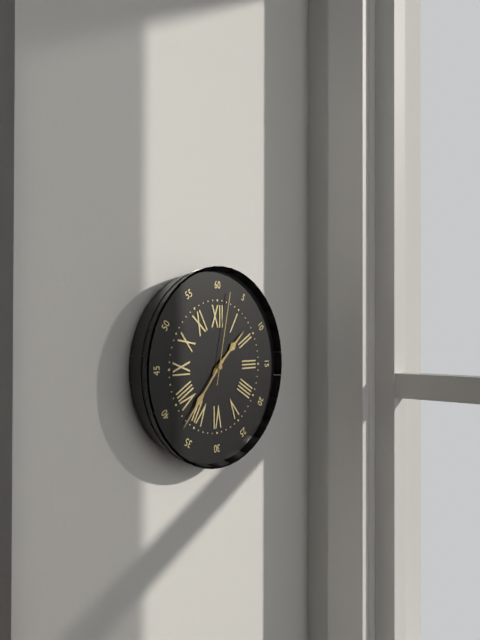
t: 1:37:02
